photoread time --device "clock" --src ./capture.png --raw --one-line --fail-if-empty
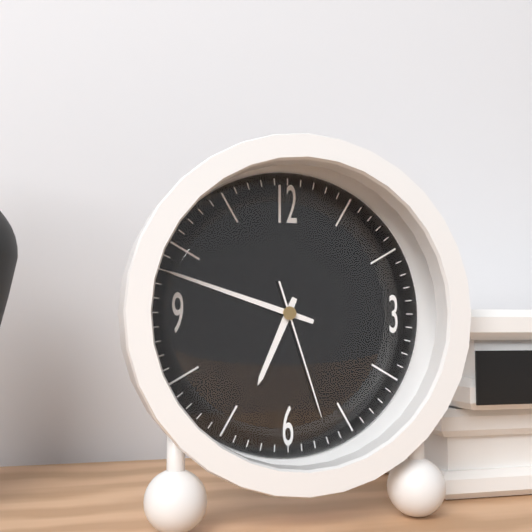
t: 6:48:27
